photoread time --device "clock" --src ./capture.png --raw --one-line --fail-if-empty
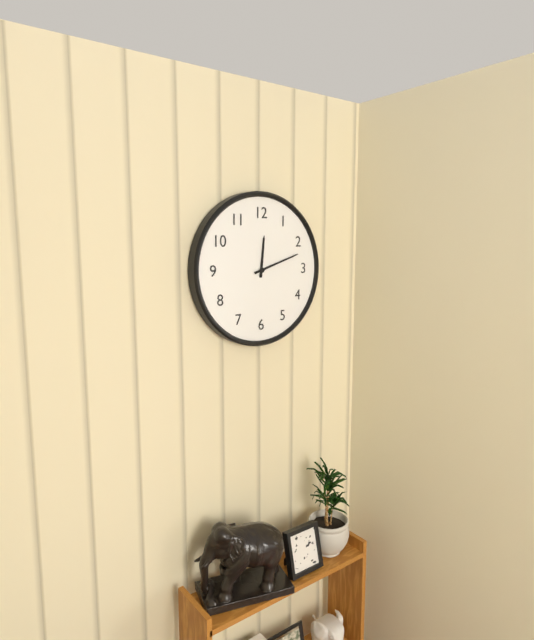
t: 12:12
